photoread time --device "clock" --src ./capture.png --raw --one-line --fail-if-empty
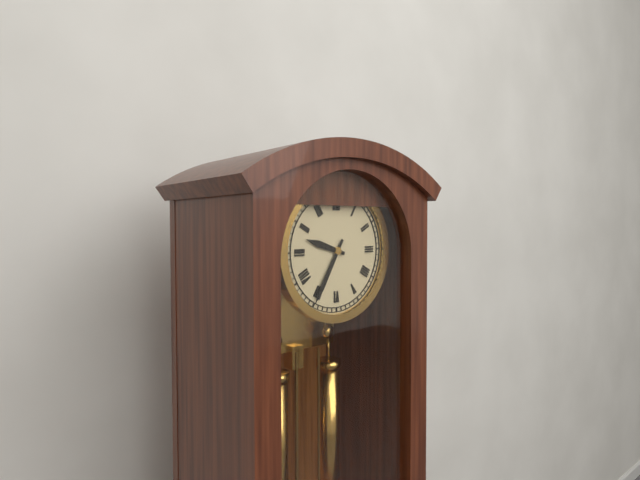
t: 9:35
